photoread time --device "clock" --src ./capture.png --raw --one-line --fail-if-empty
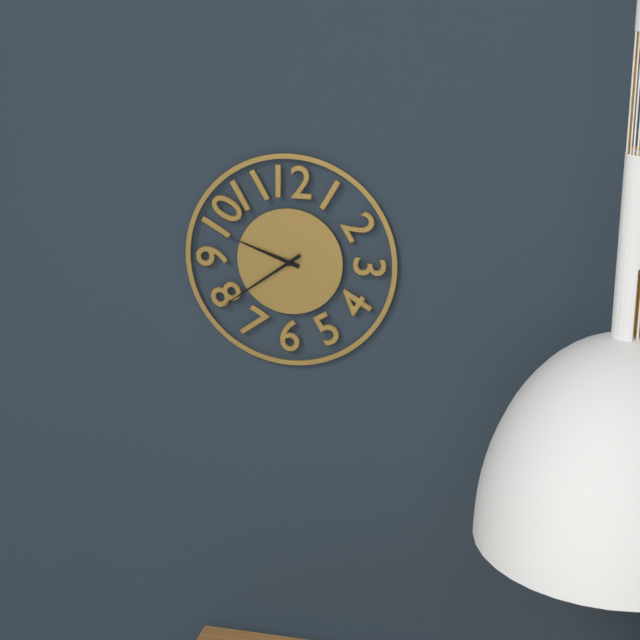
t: 9:39
